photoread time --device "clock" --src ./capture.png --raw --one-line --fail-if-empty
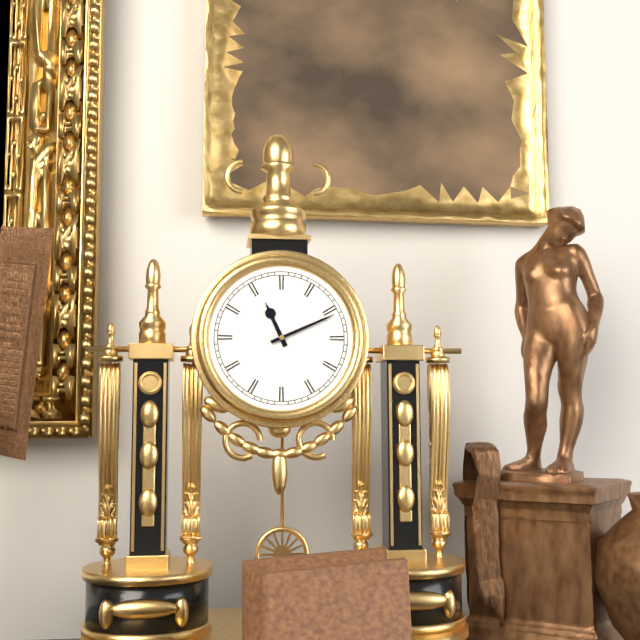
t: 11:11
